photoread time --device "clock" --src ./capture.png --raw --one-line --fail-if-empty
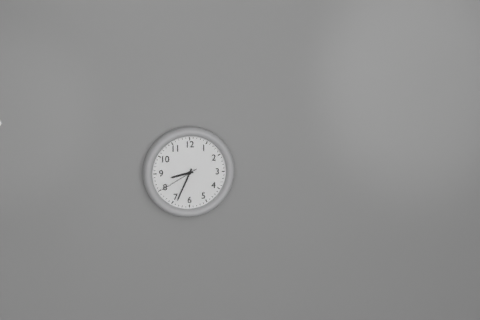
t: 8:34
